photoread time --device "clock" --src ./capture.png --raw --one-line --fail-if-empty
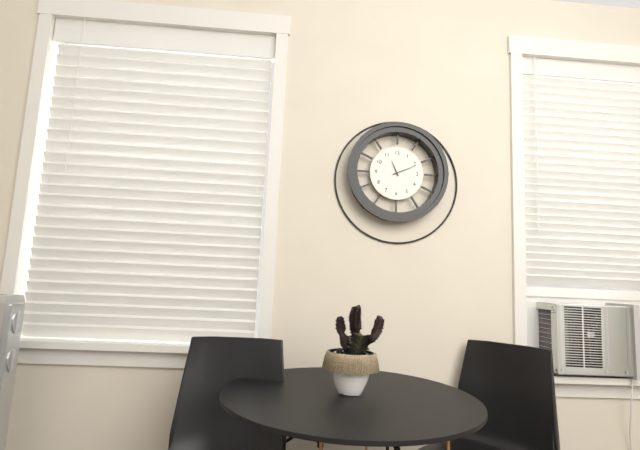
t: 11:11
